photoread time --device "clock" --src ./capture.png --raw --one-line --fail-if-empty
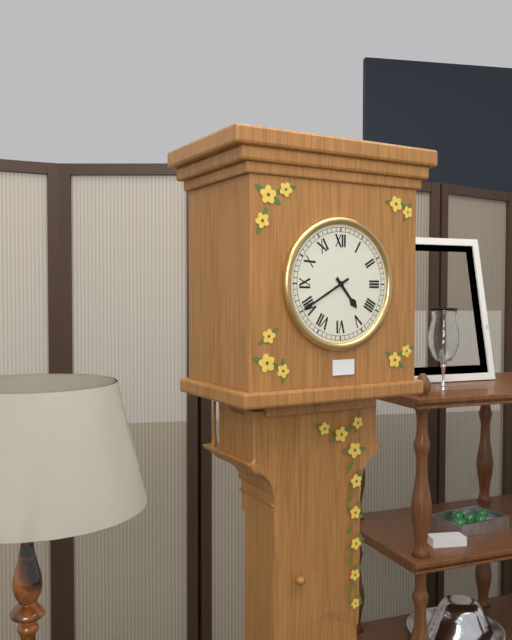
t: 4:40
